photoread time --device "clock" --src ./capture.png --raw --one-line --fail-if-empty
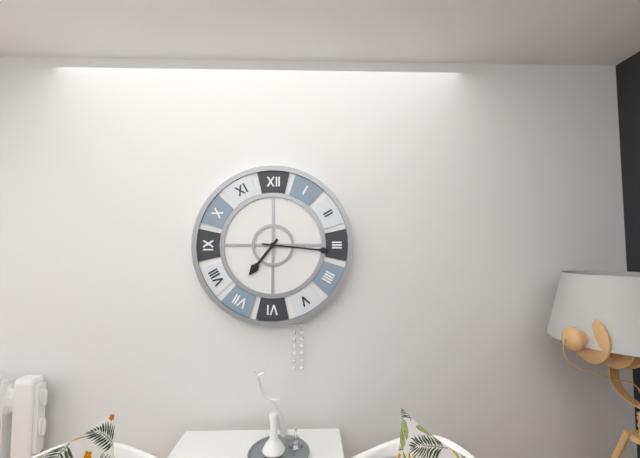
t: 7:16
